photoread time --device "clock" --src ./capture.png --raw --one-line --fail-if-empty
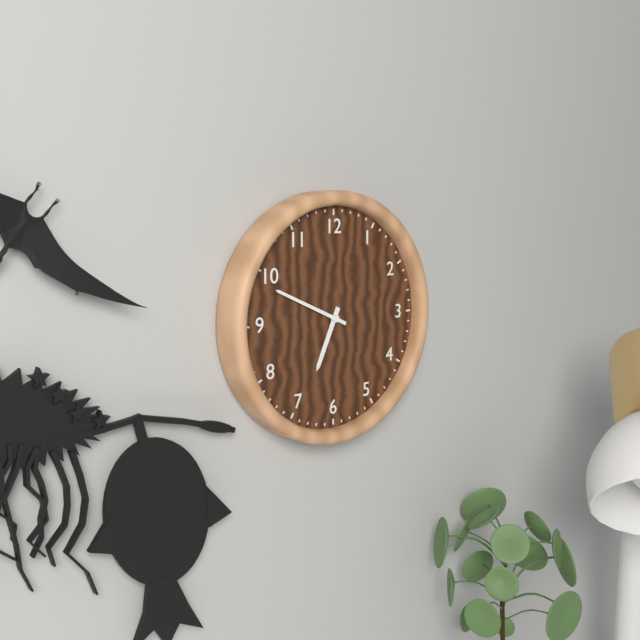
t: 6:49
